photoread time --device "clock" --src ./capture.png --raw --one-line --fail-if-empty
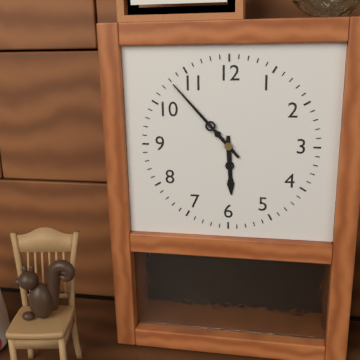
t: 5:53
